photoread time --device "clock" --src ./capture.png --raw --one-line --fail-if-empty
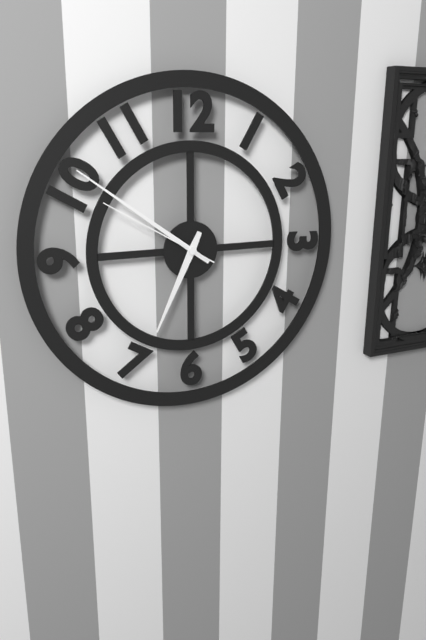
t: 6:51:50
